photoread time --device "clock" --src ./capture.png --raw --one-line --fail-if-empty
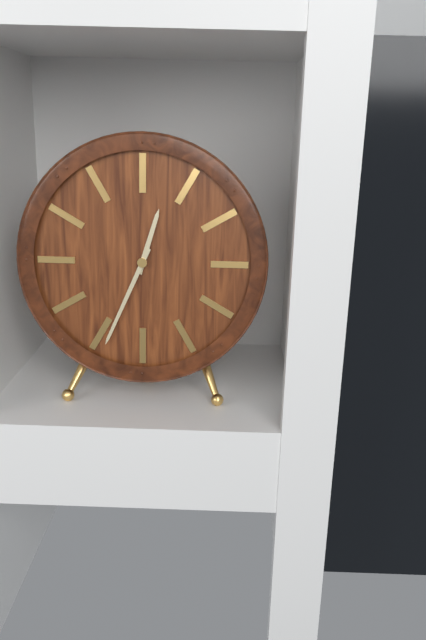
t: 12:34
